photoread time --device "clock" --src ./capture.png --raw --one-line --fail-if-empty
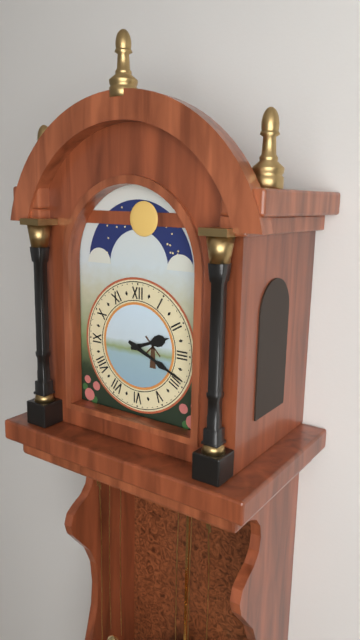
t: 2:19
